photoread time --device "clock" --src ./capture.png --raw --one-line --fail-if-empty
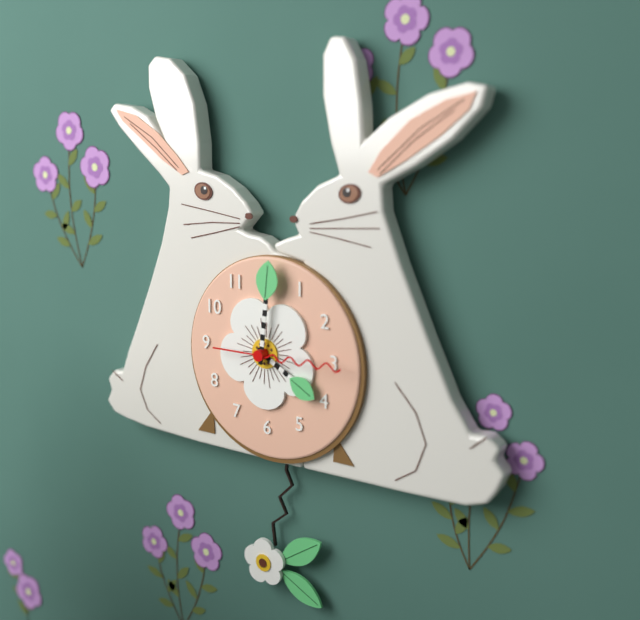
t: 4:01:15
